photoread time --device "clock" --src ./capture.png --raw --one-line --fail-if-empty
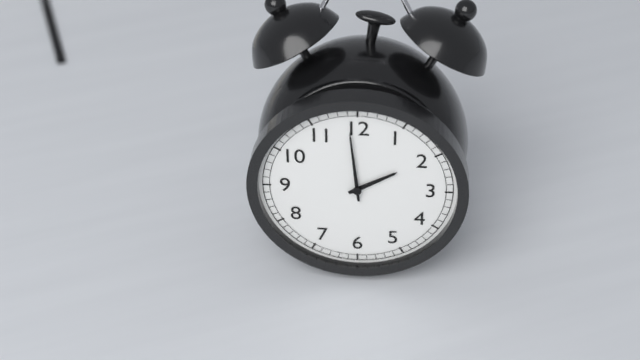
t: 1:59
